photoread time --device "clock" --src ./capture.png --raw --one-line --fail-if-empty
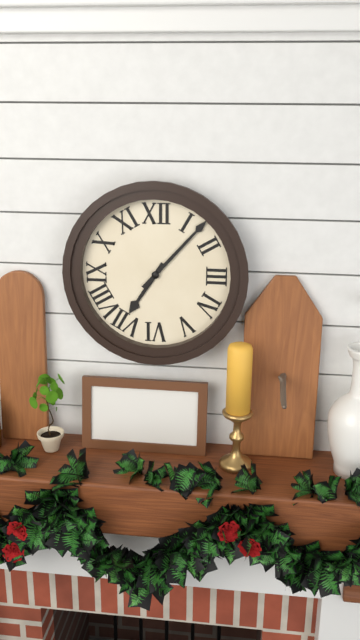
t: 7:07
